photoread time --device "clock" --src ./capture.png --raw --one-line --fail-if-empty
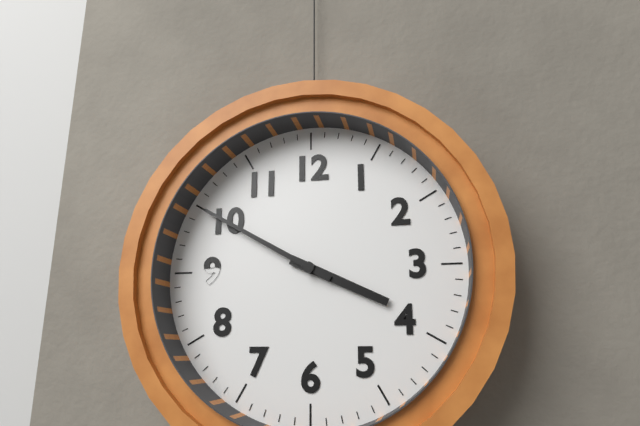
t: 3:50
